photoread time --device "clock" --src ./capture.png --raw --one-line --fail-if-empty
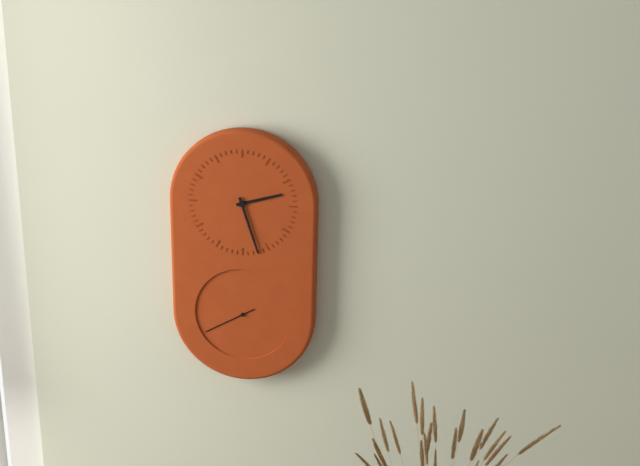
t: 2:27:40
